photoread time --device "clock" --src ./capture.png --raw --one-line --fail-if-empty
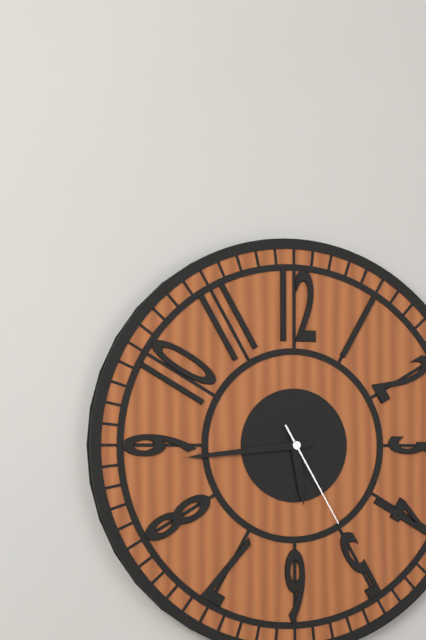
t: 5:44:25
